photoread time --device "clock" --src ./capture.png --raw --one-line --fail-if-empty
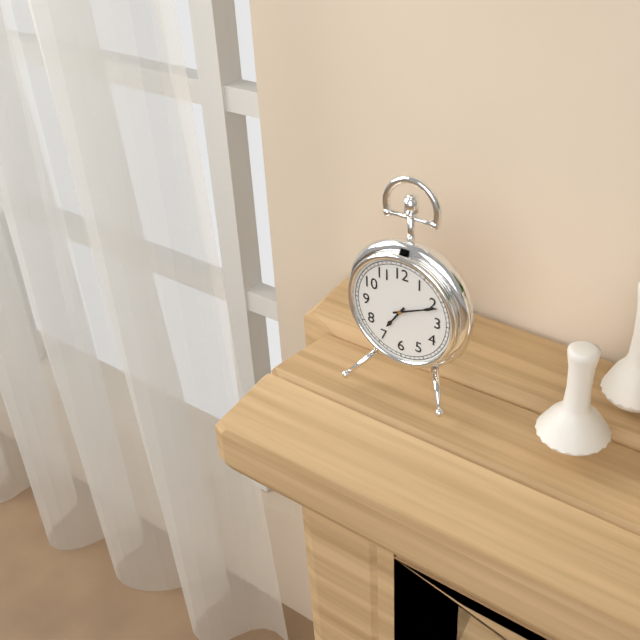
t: 7:11
